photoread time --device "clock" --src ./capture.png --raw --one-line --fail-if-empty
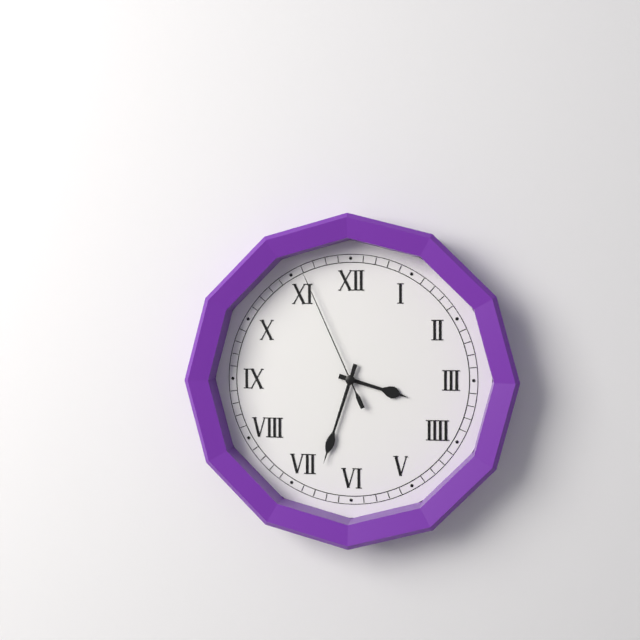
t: 3:33:56
